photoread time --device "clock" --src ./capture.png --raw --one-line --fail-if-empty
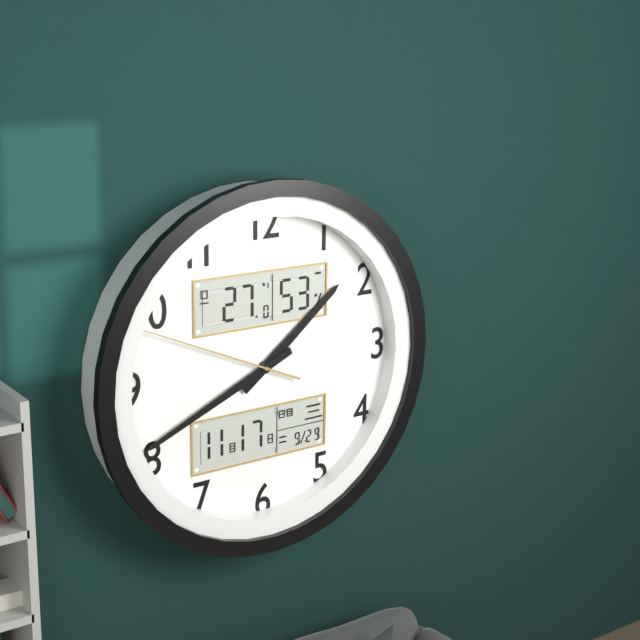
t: 1:41:49
